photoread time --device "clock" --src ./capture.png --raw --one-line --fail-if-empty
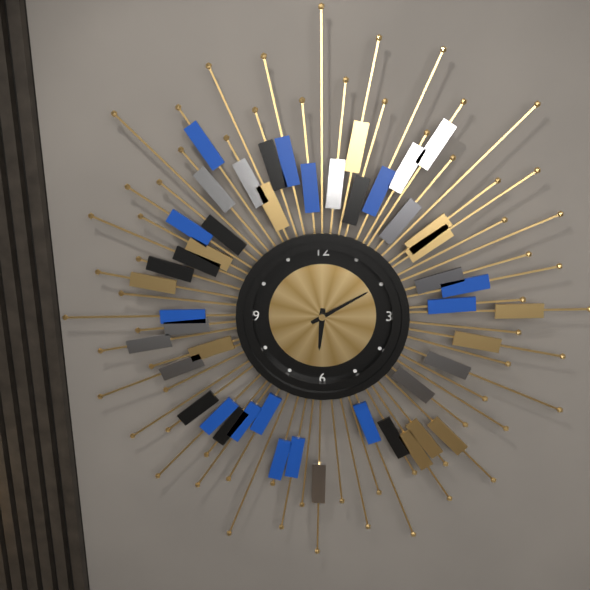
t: 6:10
